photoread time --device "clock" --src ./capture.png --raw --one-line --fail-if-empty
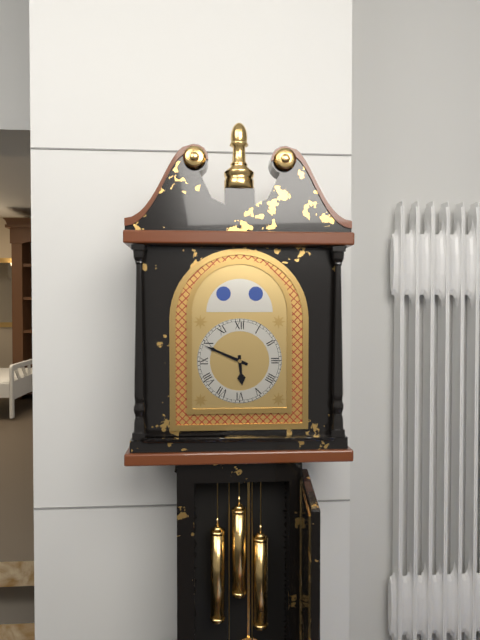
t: 5:49
